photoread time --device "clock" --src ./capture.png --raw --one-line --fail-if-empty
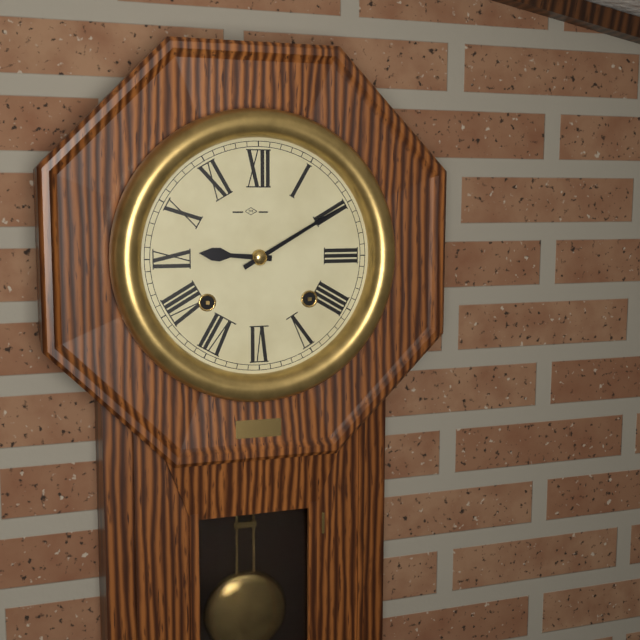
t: 9:10
